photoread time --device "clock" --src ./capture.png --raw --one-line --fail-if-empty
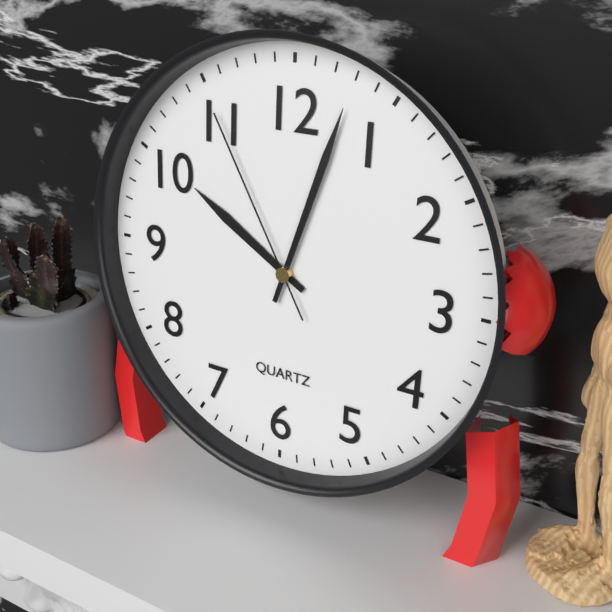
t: 10:03:55
